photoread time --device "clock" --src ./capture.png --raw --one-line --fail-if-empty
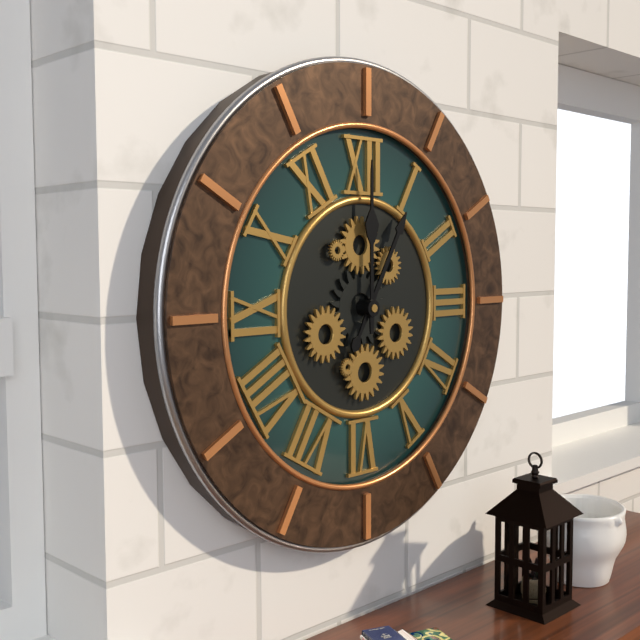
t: 1:00
